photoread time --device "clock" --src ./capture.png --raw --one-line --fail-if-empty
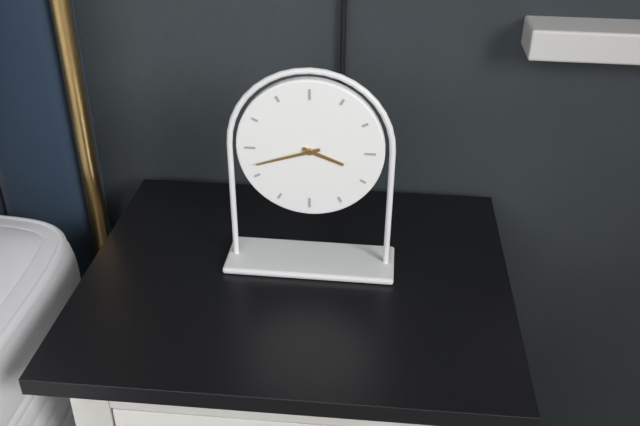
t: 3:42
